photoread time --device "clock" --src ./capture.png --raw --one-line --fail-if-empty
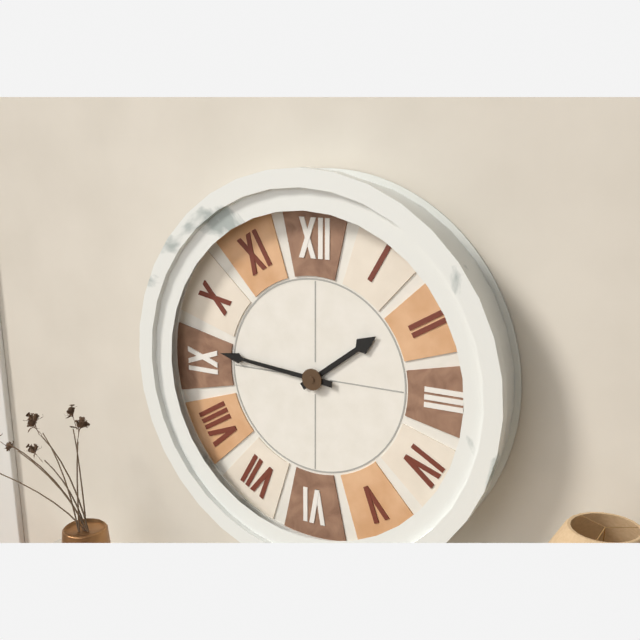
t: 1:46
